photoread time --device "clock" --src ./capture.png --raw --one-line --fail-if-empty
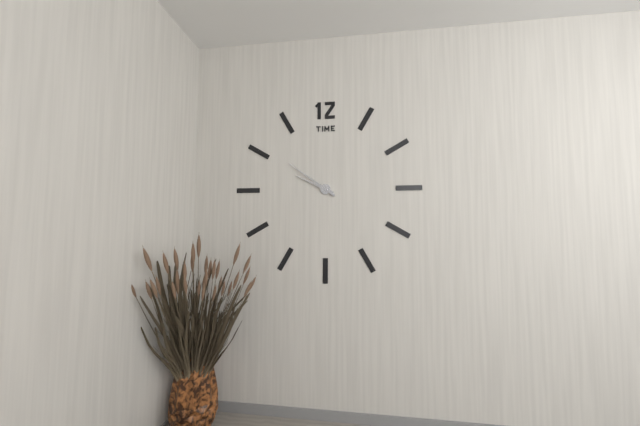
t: 9:51
